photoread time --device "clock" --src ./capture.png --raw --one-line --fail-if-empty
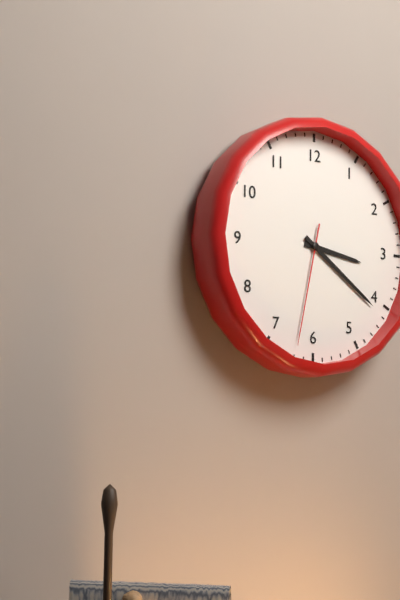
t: 3:21:32
